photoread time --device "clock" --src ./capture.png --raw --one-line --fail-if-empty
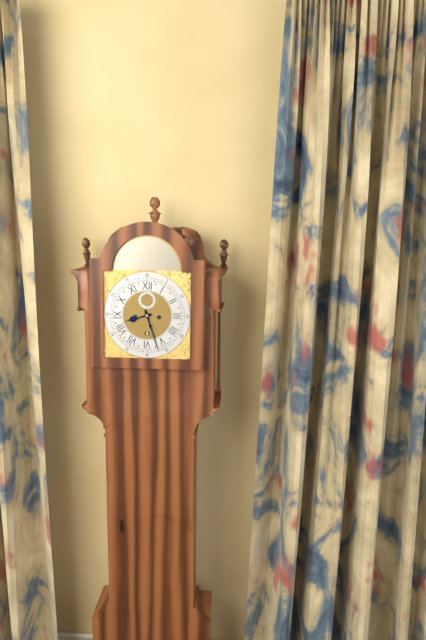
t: 8:27
